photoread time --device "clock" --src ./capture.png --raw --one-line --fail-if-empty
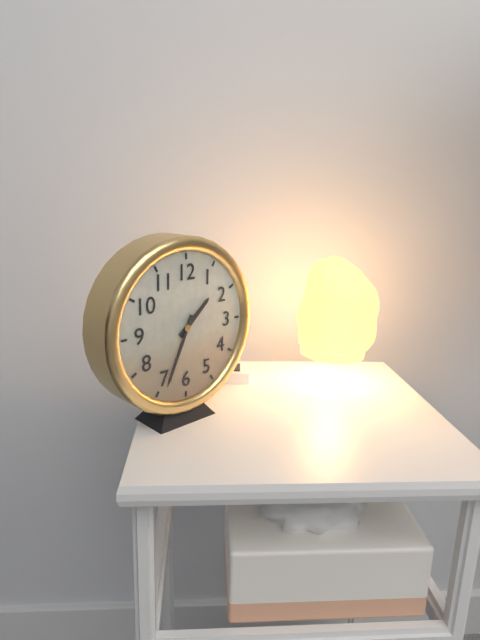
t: 1:34
